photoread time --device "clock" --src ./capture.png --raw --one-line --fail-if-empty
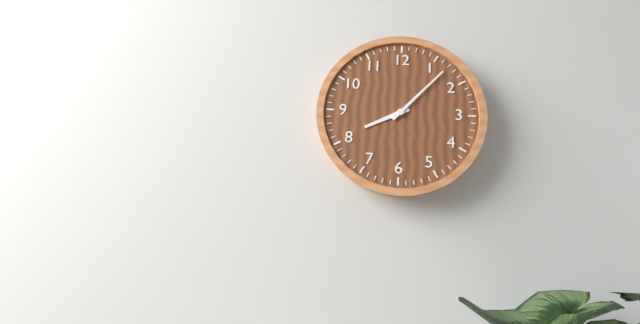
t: 8:07
